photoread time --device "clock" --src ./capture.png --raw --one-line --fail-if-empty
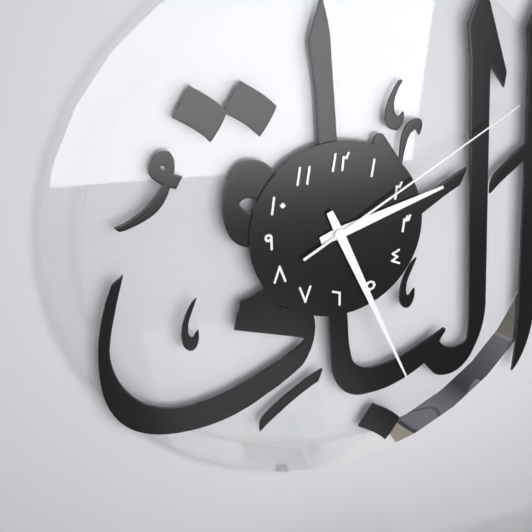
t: 2:26:10
